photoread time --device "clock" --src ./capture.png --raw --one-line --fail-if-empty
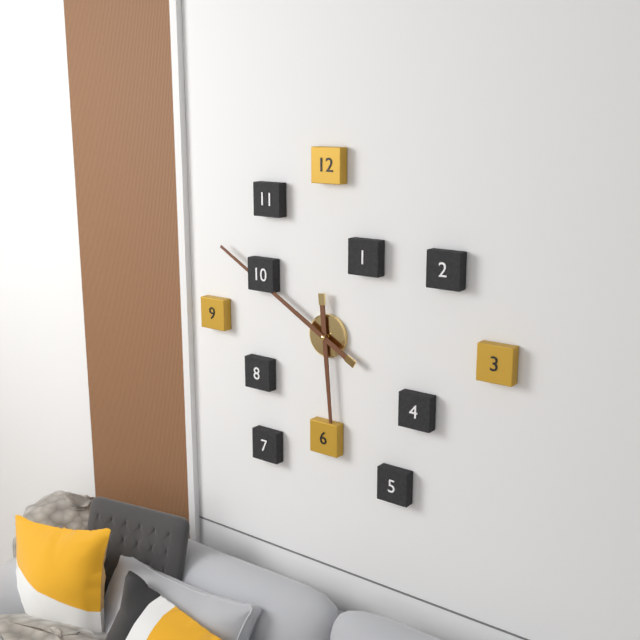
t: 5:50
